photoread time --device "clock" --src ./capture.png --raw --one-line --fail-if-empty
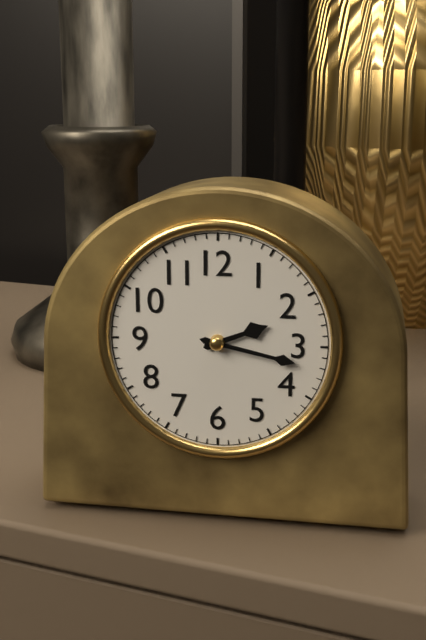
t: 2:17
